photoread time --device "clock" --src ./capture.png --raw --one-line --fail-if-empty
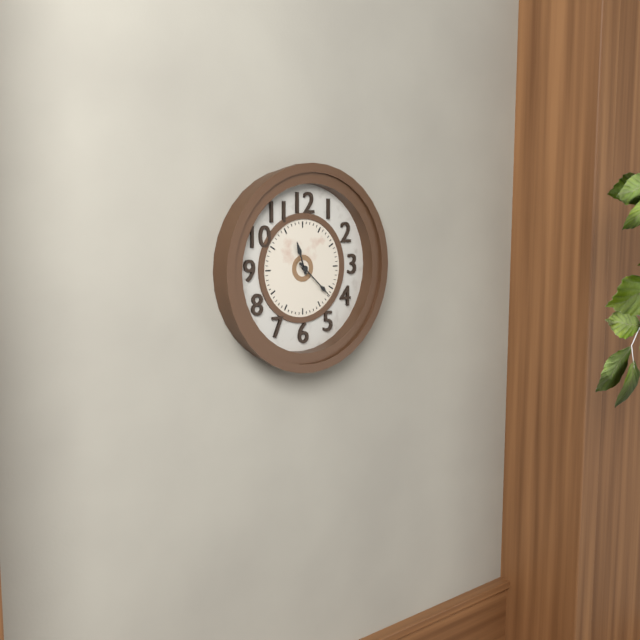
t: 11:22
